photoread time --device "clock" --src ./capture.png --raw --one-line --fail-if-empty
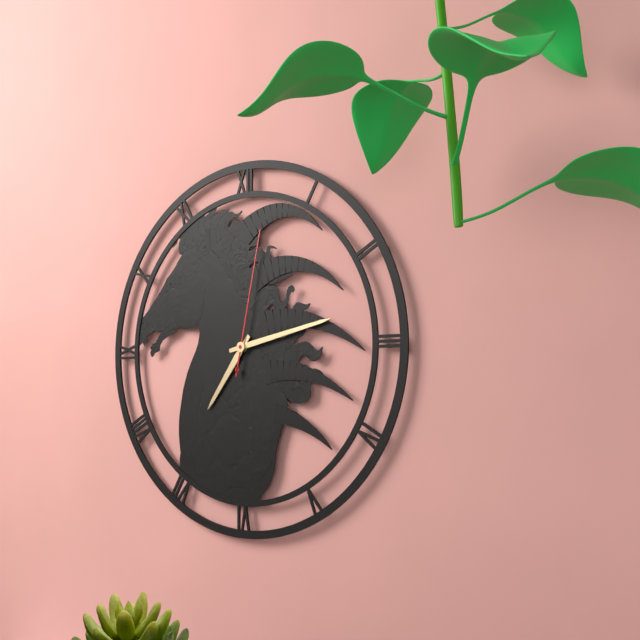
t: 7:13:02
